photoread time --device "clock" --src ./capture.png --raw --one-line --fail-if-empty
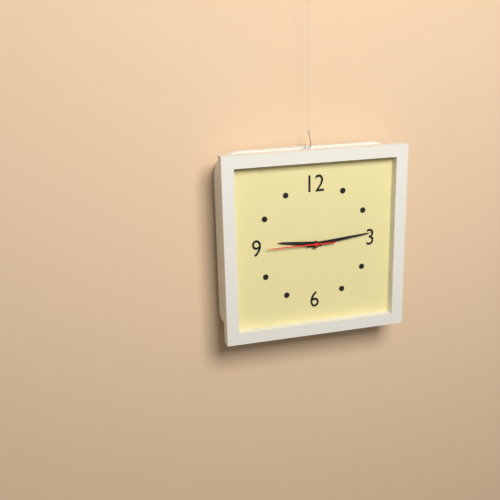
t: 9:14:45
